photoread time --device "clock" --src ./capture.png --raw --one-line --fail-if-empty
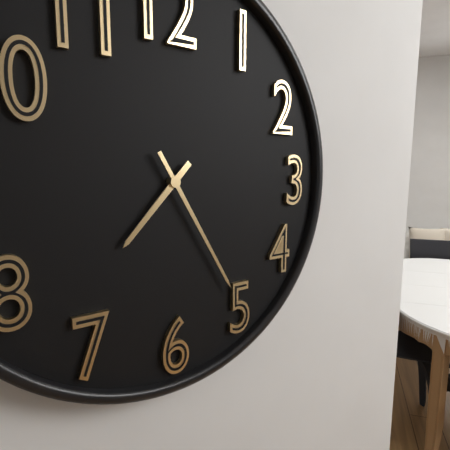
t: 7:25
